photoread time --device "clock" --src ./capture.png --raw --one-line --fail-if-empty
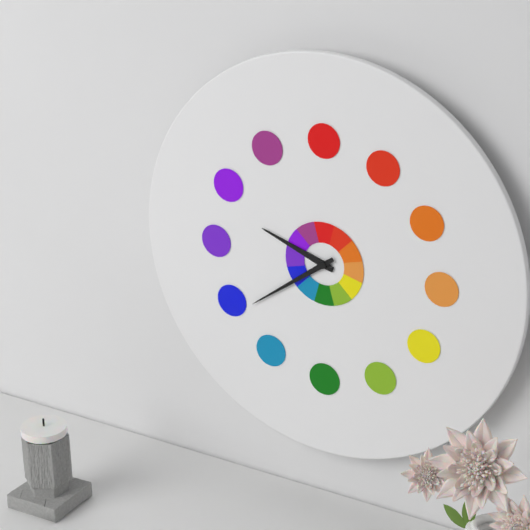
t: 9:39
